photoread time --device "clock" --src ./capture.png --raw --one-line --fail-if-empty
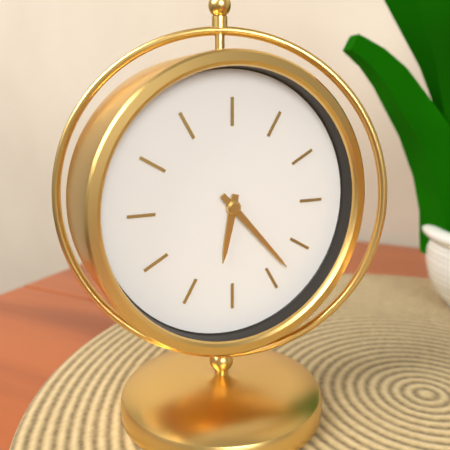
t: 6:23
